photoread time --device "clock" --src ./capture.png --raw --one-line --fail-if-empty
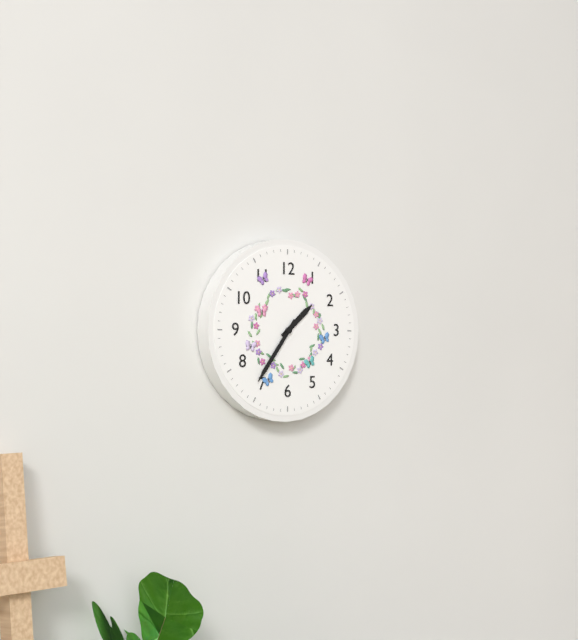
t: 1:36
